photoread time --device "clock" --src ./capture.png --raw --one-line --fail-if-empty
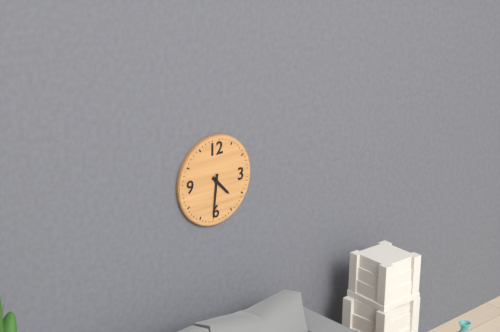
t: 4:31
